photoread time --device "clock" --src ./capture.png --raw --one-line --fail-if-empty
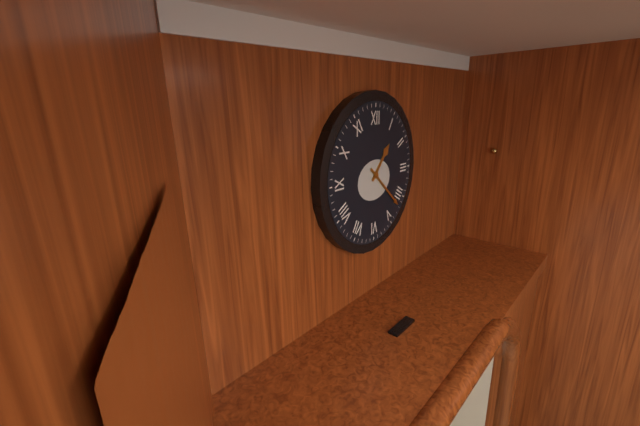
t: 1:22
